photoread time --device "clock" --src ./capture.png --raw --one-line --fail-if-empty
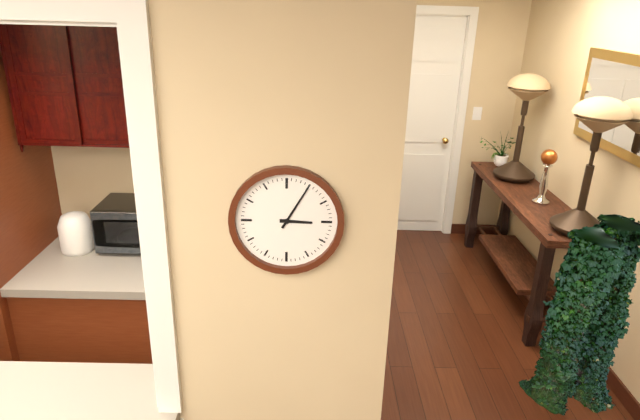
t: 3:05
